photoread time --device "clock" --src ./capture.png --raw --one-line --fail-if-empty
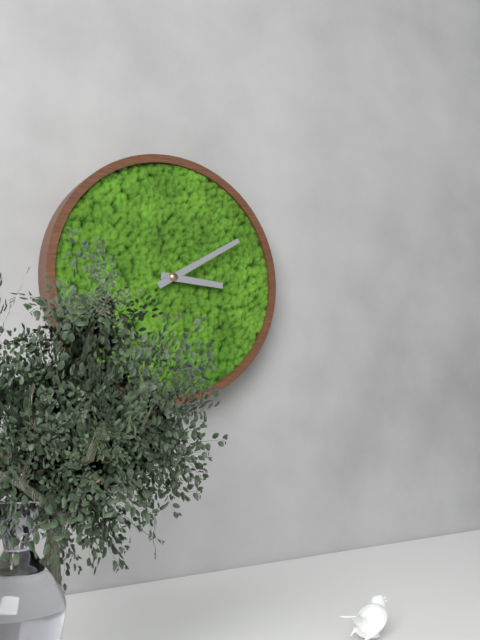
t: 3:10
